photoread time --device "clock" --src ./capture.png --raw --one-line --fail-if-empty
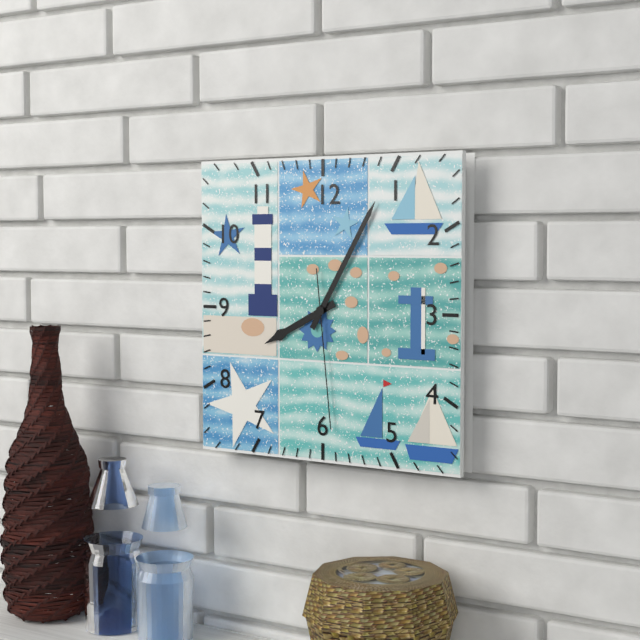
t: 8:05:29
